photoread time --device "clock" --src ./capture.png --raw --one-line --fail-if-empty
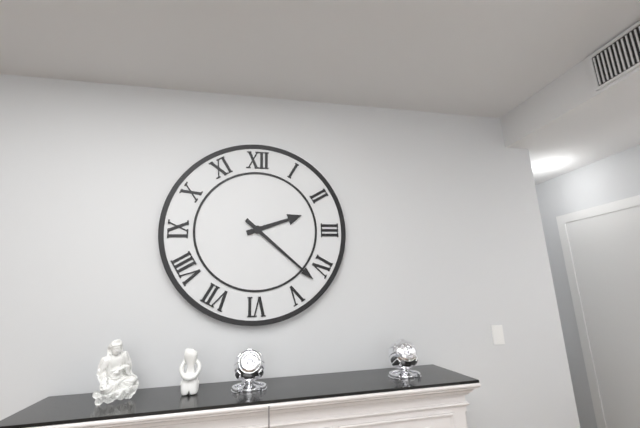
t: 2:22
